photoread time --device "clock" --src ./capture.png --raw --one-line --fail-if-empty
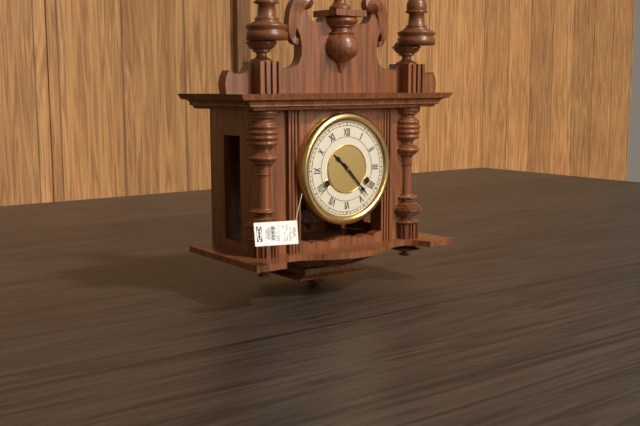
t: 10:23
